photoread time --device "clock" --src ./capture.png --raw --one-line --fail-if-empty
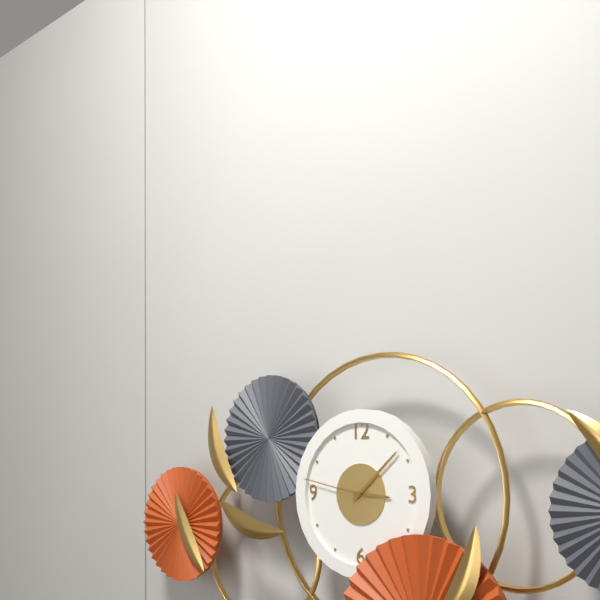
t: 3:08:47
